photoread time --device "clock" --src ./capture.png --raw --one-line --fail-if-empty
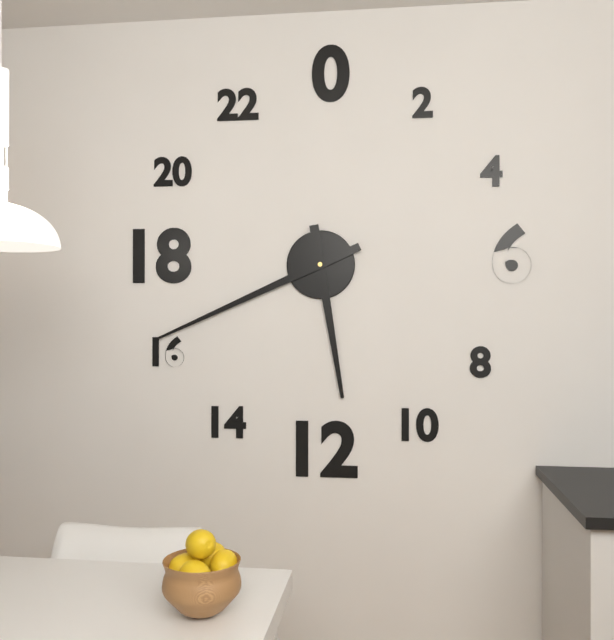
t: 5:41
